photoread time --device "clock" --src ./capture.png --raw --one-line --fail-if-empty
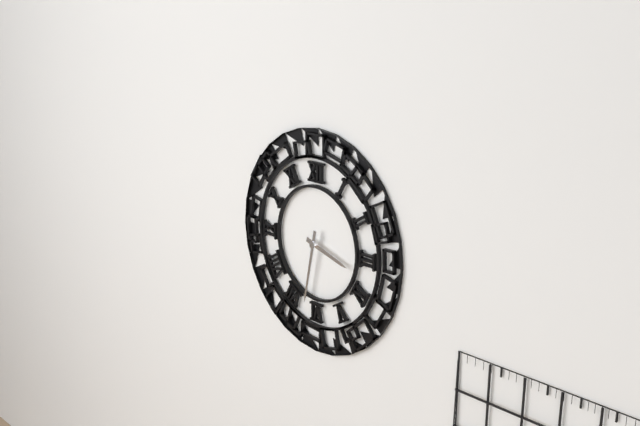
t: 3:32
